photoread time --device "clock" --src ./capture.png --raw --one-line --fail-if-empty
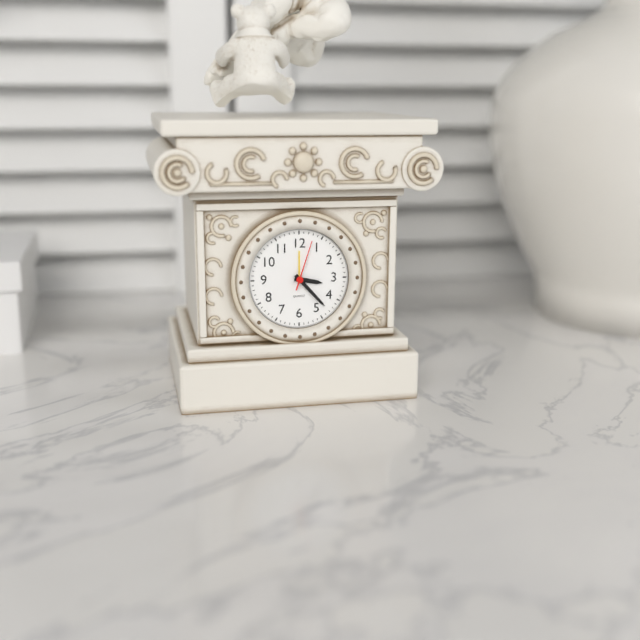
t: 3:23:03
